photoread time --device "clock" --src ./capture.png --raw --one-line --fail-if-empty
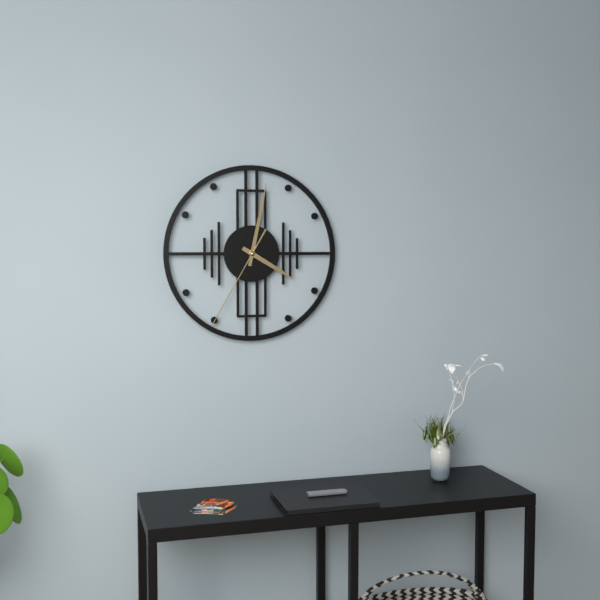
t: 4:02:35
